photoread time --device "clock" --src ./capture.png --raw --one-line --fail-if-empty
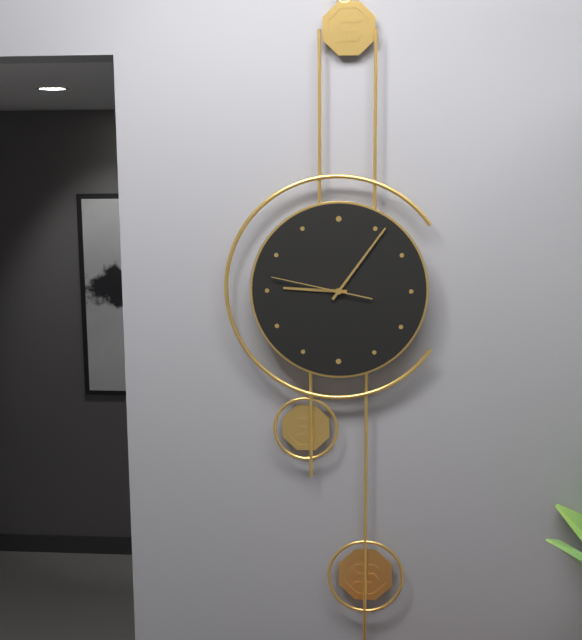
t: 9:06:47
